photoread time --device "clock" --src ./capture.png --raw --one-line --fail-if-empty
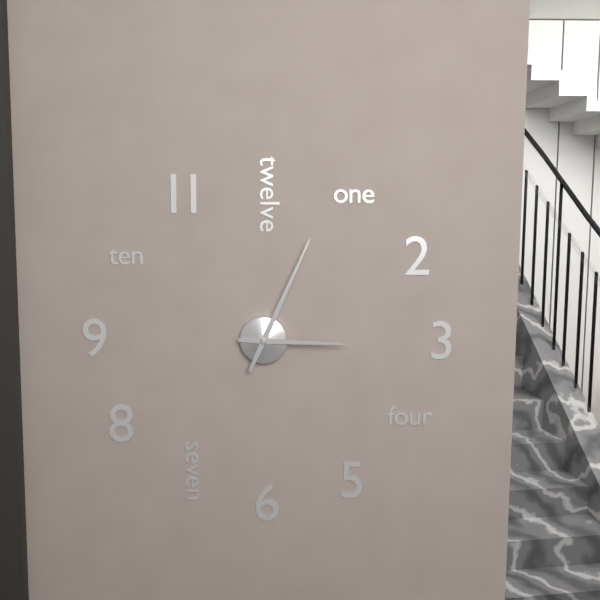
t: 3:04
